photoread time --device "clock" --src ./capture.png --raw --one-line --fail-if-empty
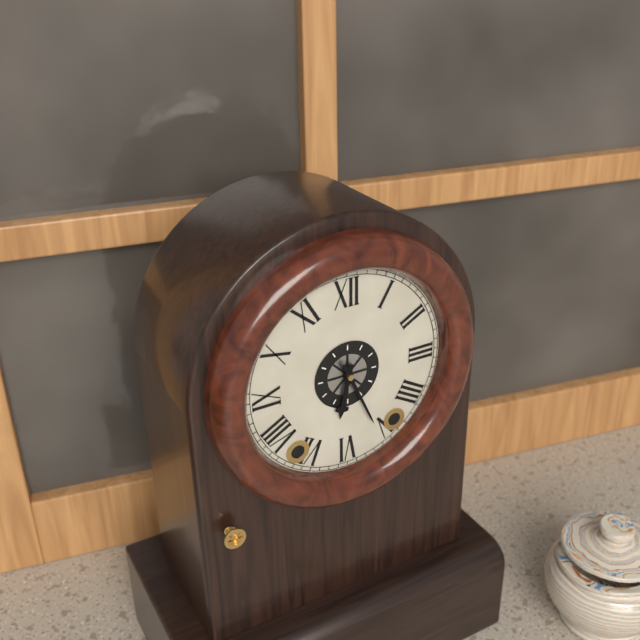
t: 6:26
